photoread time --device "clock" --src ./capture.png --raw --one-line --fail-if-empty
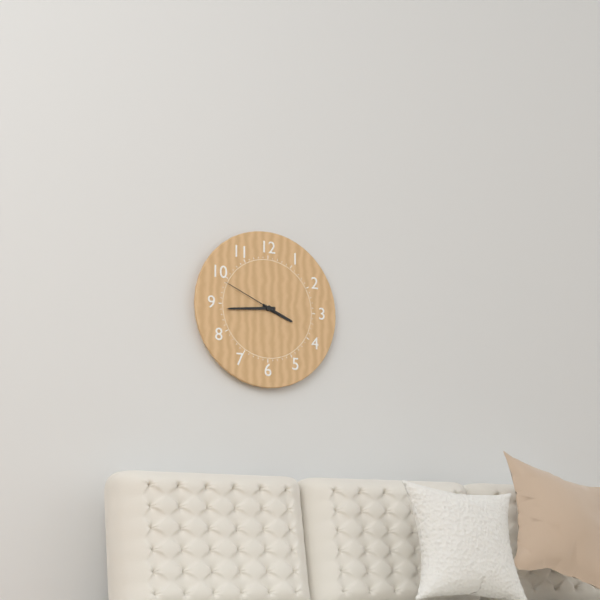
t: 3:44:49
